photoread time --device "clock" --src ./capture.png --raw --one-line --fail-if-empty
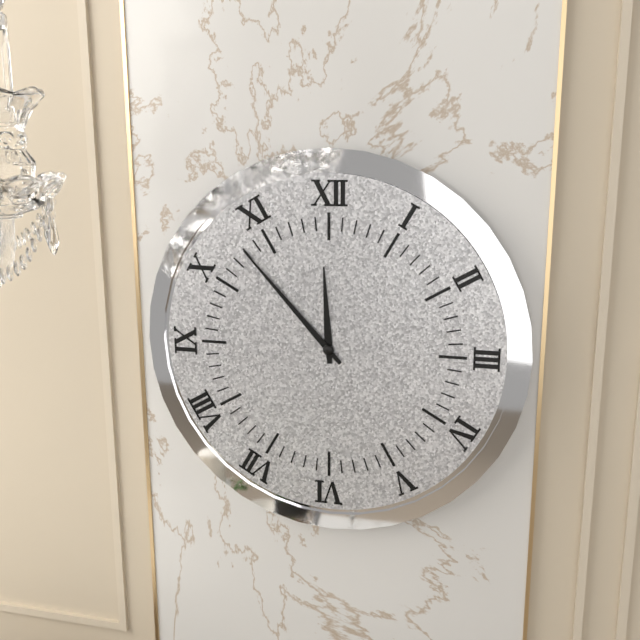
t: 11:53
